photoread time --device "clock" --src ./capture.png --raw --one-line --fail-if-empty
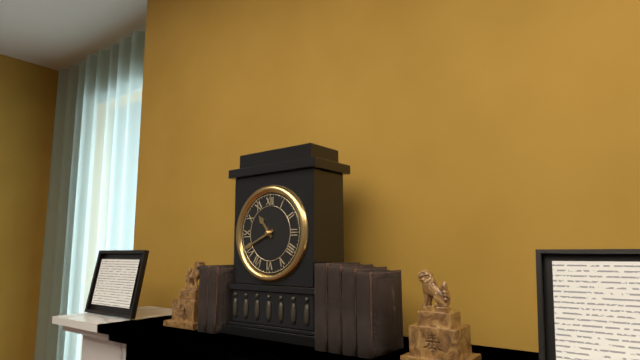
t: 10:41
